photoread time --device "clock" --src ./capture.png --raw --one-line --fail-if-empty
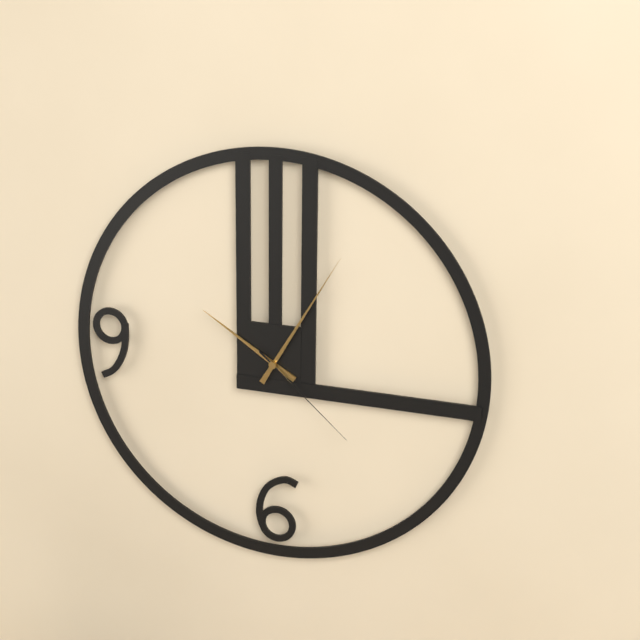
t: 10:05:22
